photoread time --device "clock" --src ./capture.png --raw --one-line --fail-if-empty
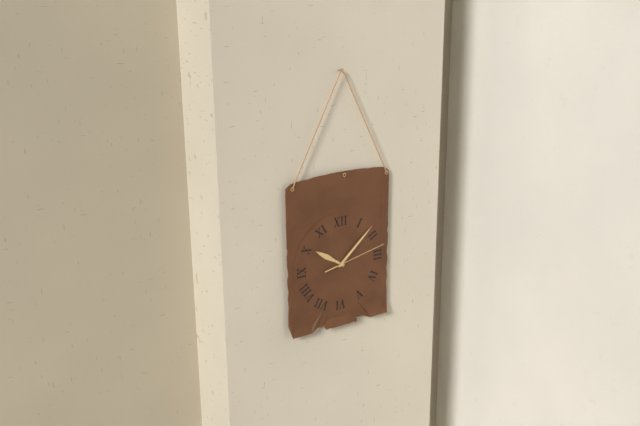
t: 10:08:13
